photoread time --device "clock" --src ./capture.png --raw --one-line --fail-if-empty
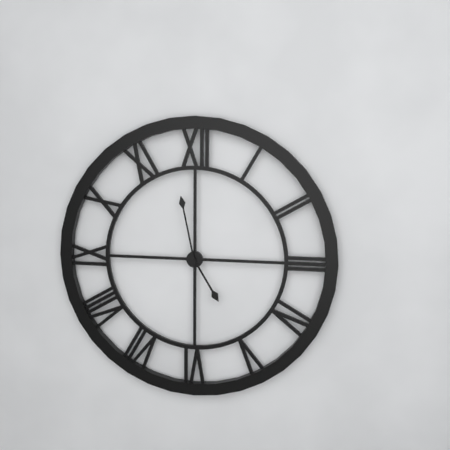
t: 4:58
